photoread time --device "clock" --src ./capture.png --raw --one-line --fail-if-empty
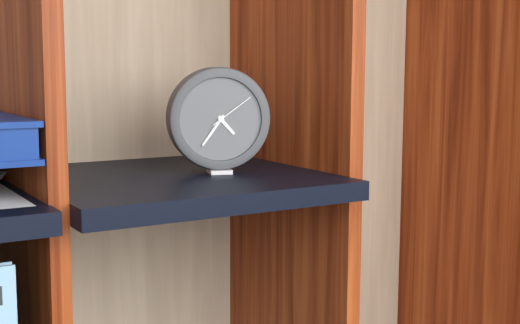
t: 4:36
